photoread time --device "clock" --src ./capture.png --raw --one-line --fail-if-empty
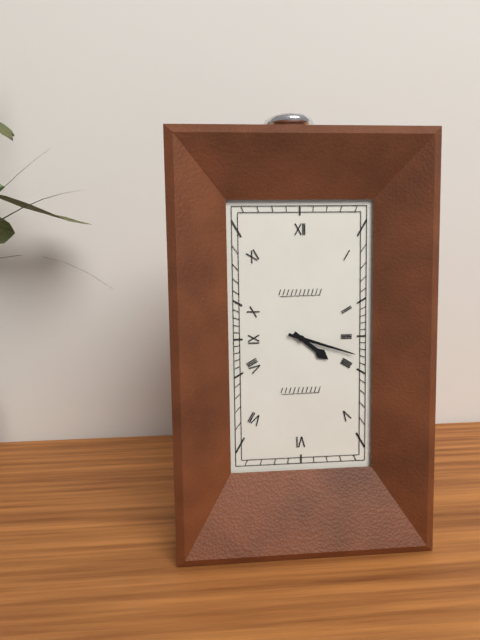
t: 4:18
